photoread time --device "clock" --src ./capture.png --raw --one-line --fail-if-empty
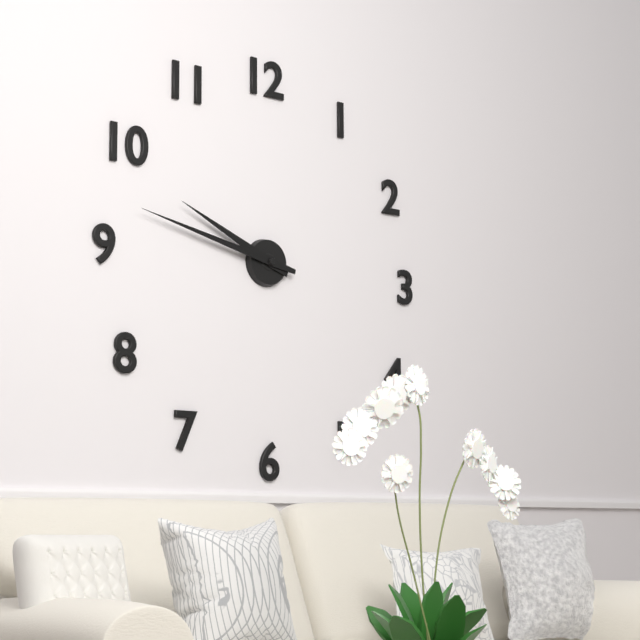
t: 9:47
